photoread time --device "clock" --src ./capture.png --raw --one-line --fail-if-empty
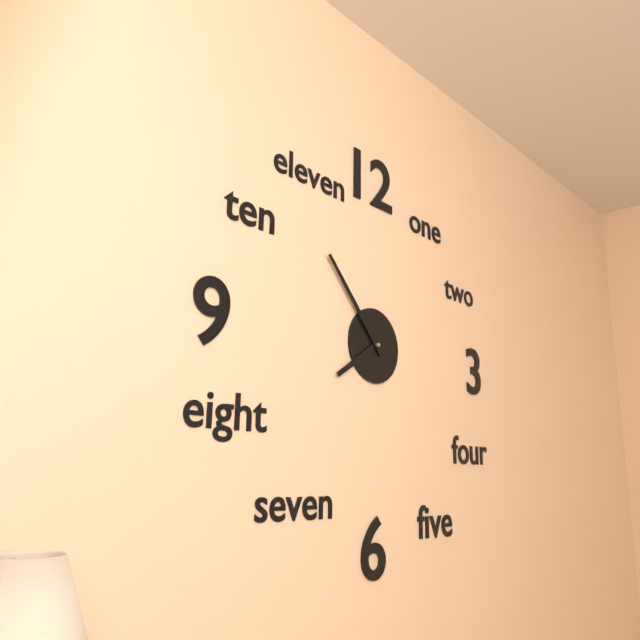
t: 7:53
